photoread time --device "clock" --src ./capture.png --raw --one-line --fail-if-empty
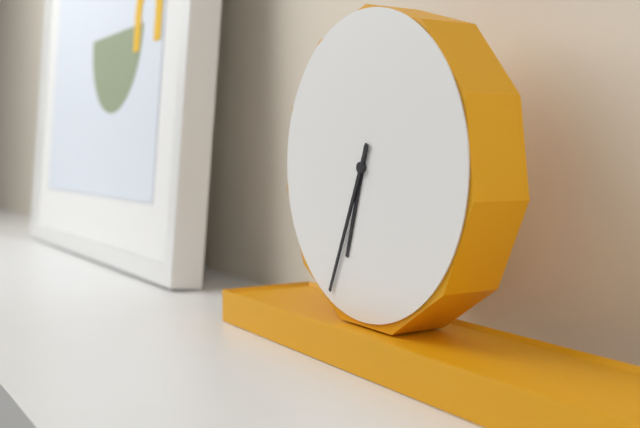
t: 6:34
